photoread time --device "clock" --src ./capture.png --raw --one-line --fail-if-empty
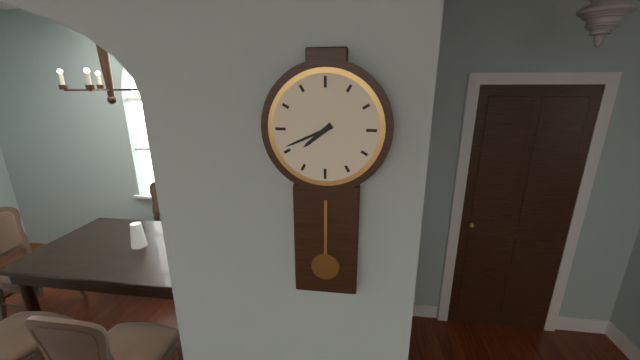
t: 7:41
